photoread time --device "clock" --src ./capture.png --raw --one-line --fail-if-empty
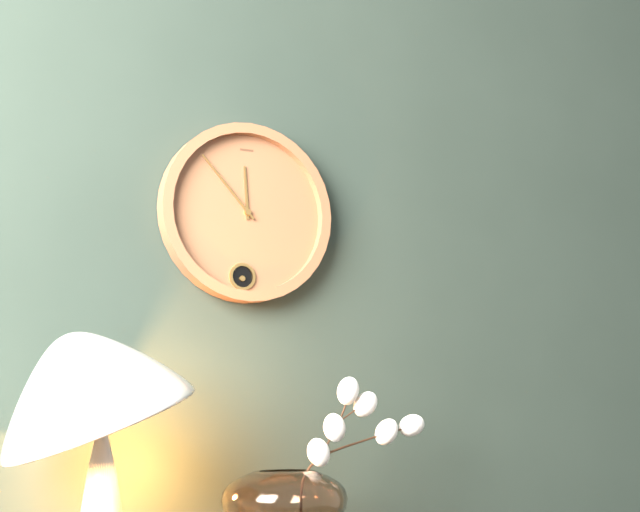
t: 11:53
